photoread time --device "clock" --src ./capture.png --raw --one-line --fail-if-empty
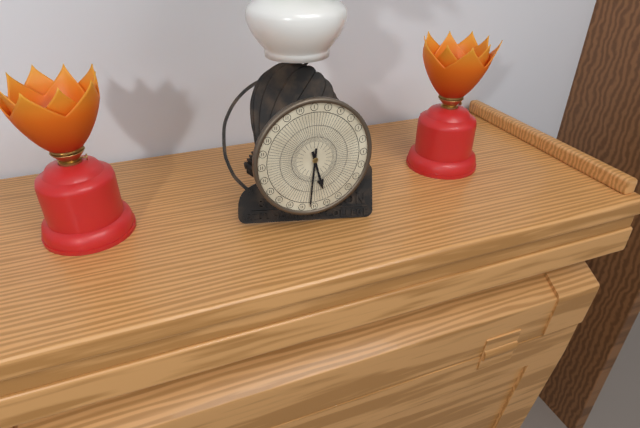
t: 5:31
